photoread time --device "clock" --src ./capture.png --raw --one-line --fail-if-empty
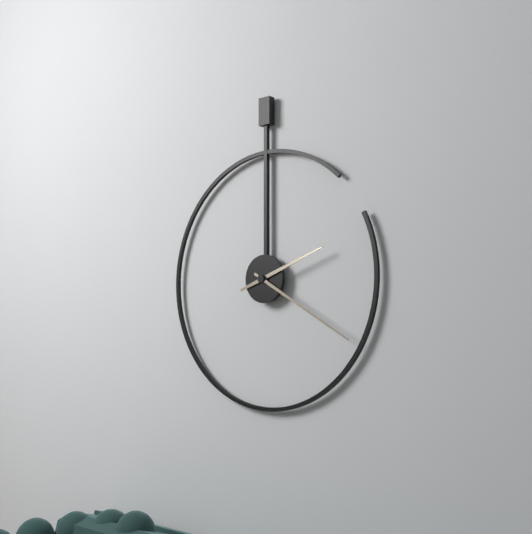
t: 2:20
